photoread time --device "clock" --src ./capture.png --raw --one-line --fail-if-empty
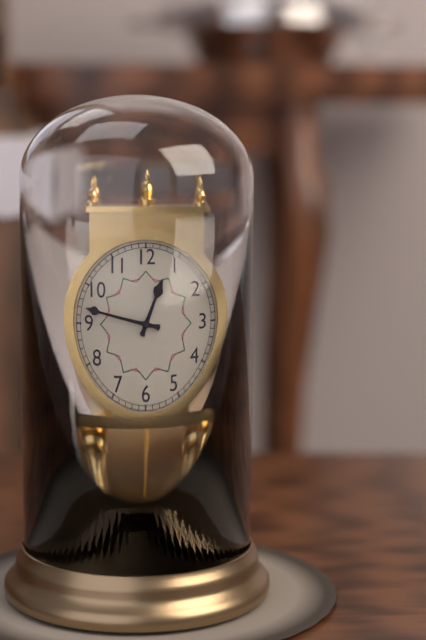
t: 12:47
